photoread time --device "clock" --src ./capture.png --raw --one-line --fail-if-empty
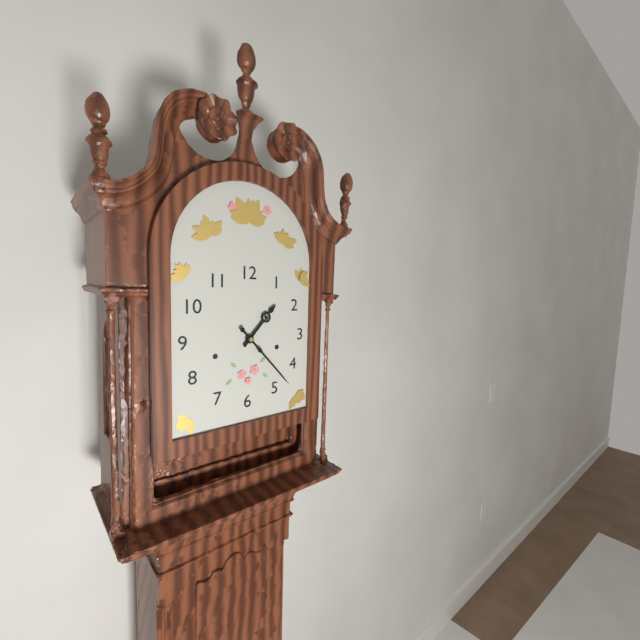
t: 1:23
